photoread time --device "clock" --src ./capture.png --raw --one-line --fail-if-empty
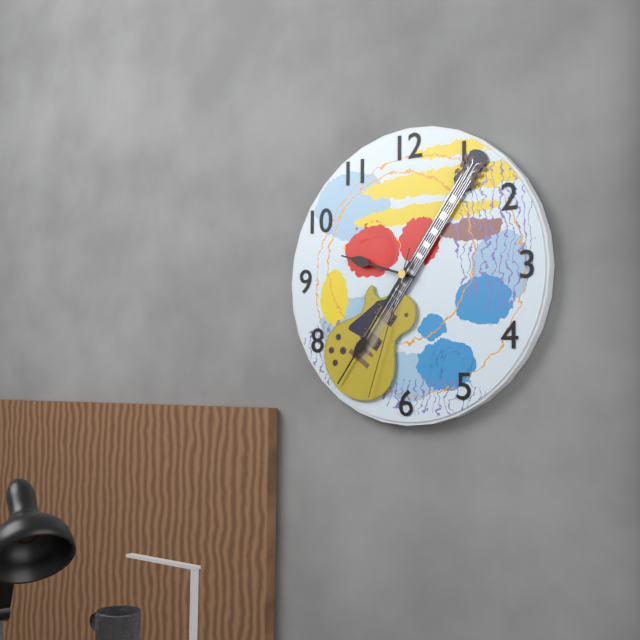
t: 9:36:33
